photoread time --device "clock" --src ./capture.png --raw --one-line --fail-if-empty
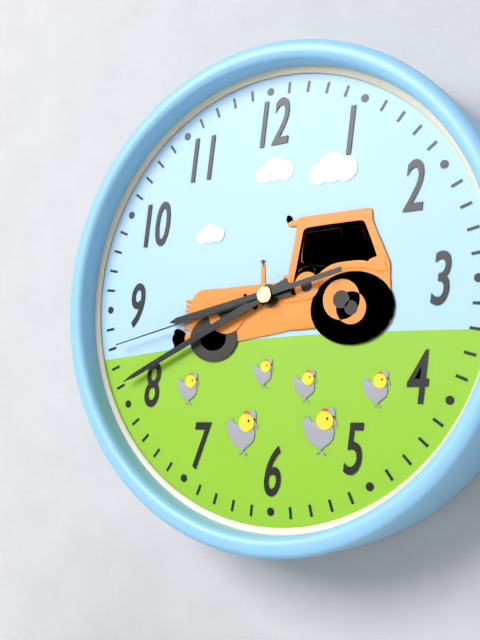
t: 8:41:43
